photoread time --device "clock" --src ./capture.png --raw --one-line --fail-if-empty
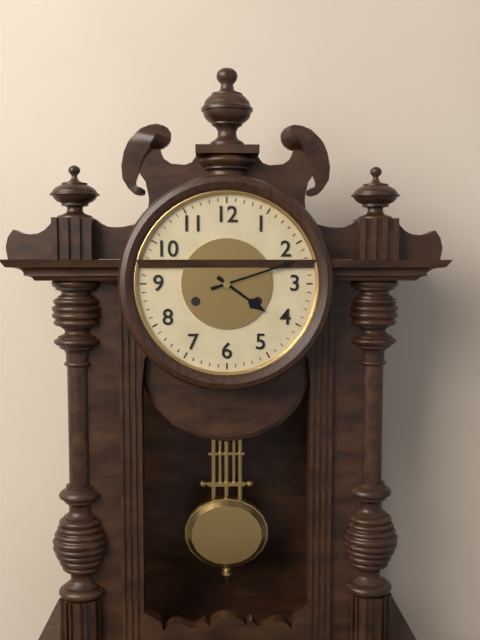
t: 4:12
